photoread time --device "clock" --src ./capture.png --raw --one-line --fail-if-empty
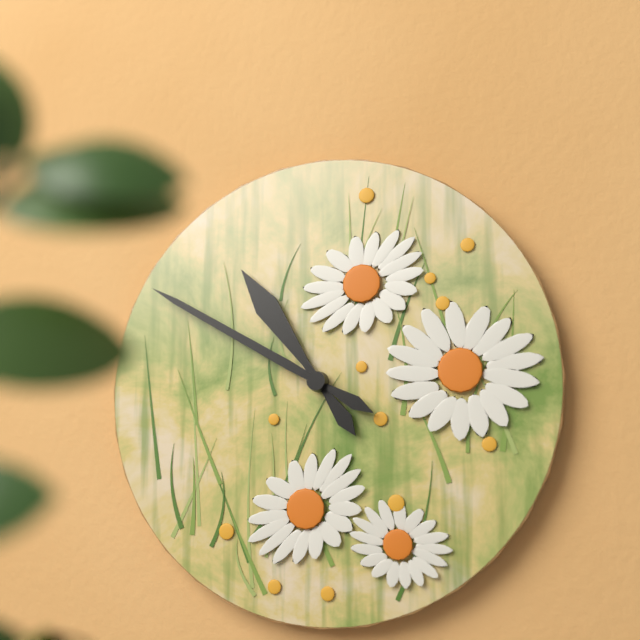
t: 10:50
